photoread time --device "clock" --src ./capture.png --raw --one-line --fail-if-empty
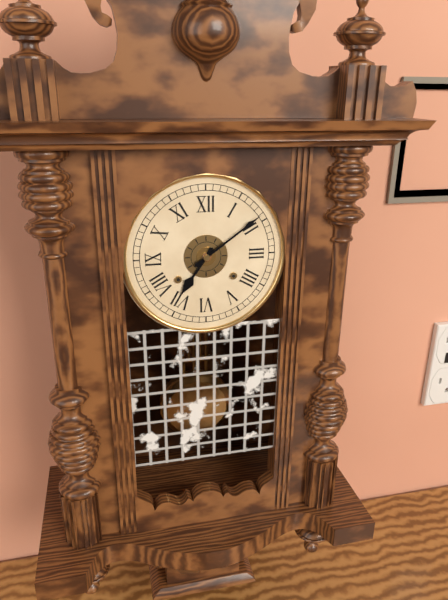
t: 7:09
